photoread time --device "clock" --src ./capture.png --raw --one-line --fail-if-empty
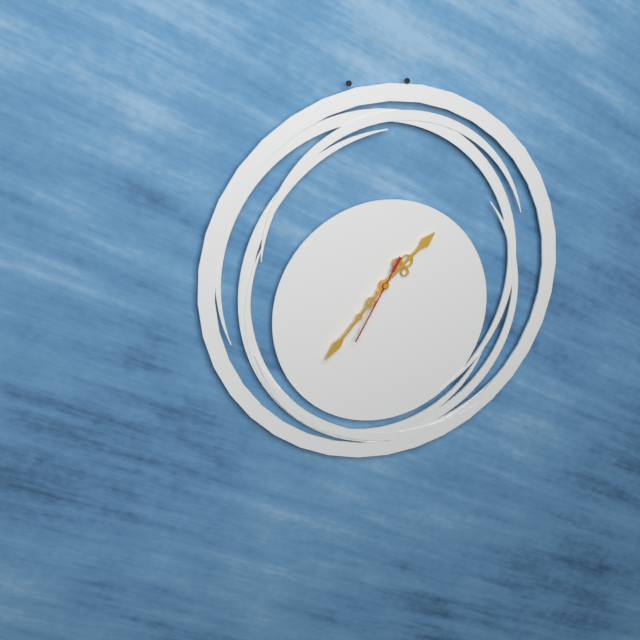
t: 1:37:35
